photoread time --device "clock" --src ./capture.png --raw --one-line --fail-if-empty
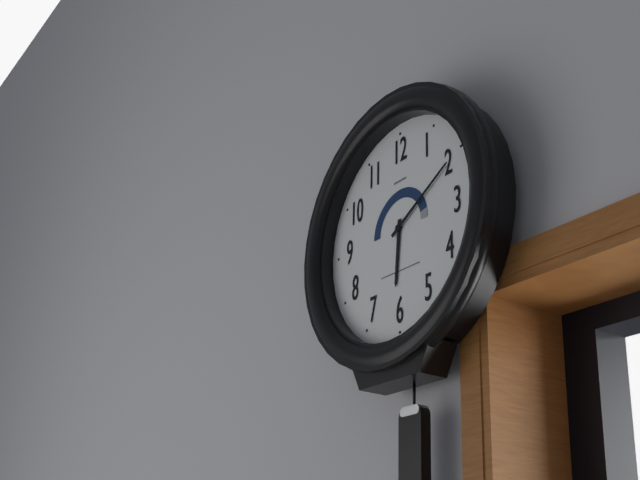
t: 6:10
